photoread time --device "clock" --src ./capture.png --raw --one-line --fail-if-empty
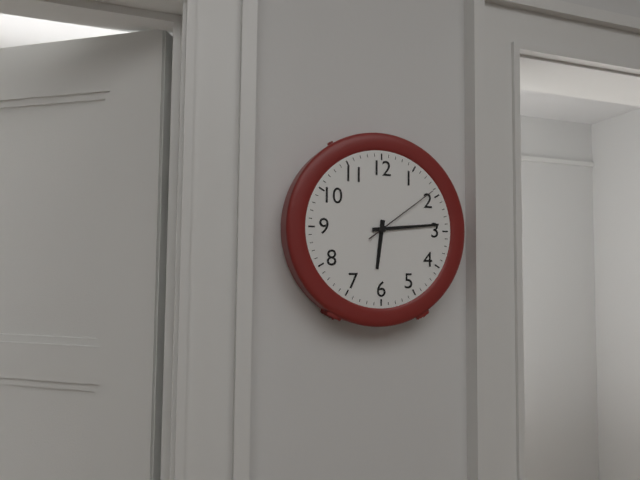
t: 6:14:09
